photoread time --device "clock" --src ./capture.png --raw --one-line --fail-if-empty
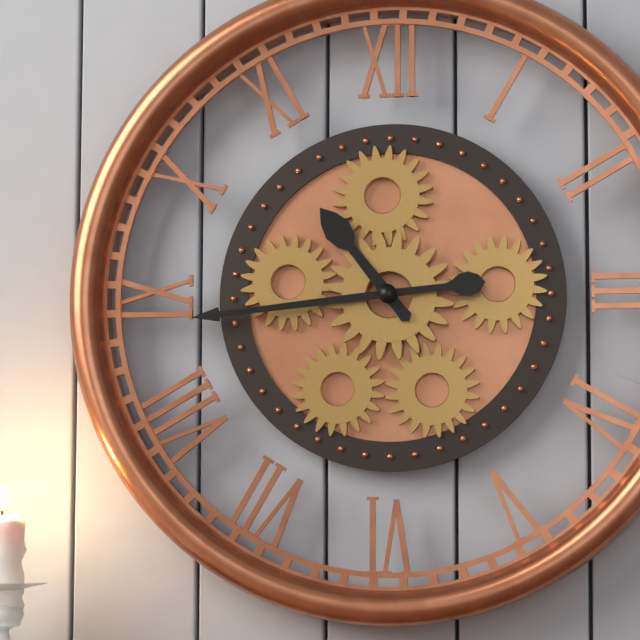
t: 10:44
